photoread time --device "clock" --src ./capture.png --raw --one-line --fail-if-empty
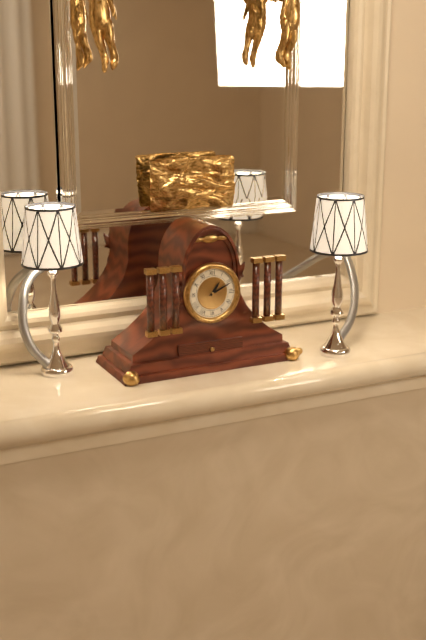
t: 1:11
